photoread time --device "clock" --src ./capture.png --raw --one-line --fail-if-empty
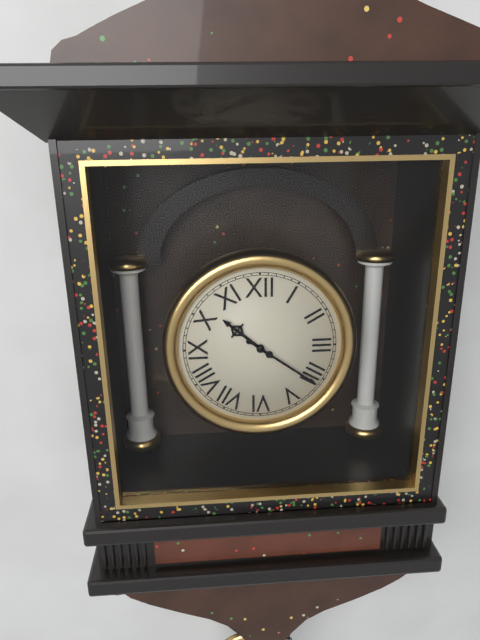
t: 10:21
